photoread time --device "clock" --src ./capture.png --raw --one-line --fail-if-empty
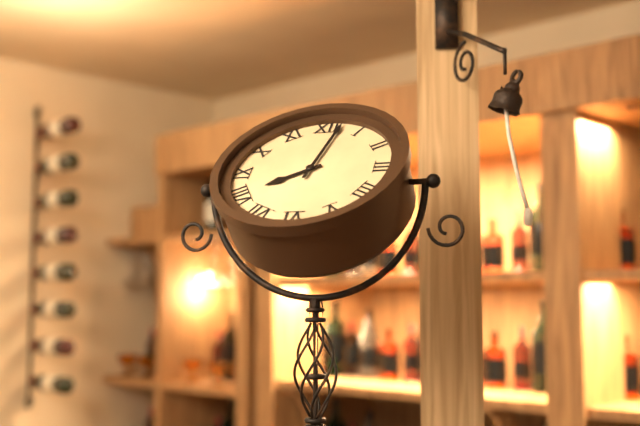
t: 8:02
